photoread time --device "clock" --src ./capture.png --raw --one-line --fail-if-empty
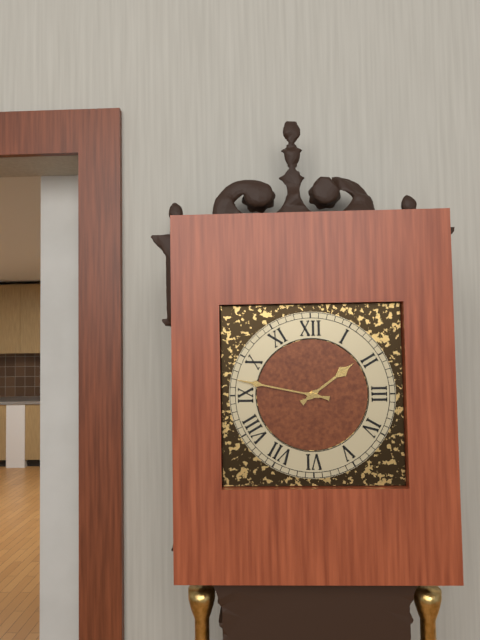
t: 1:47
